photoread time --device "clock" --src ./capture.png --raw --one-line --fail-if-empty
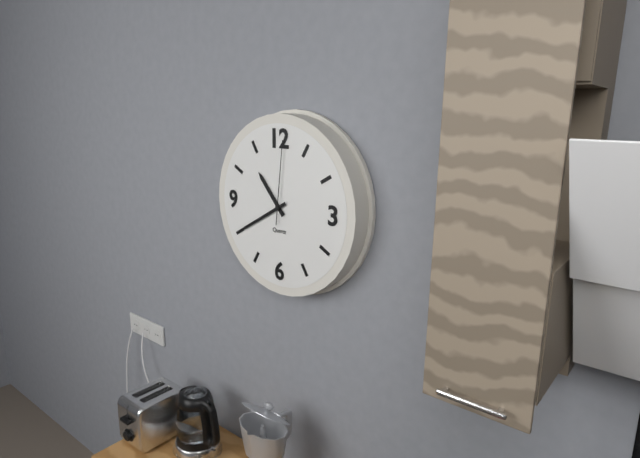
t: 10:40:01
